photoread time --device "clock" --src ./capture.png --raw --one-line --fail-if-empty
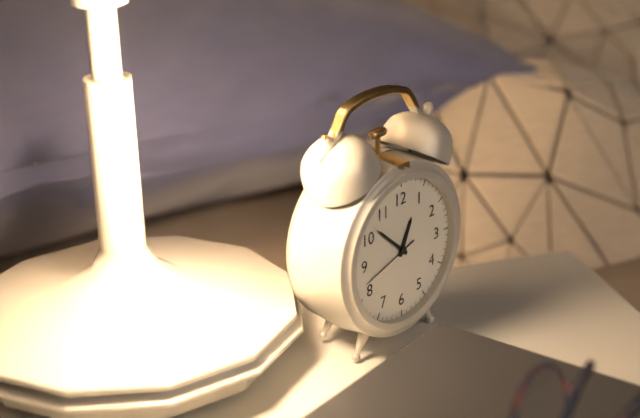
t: 12:52:42
